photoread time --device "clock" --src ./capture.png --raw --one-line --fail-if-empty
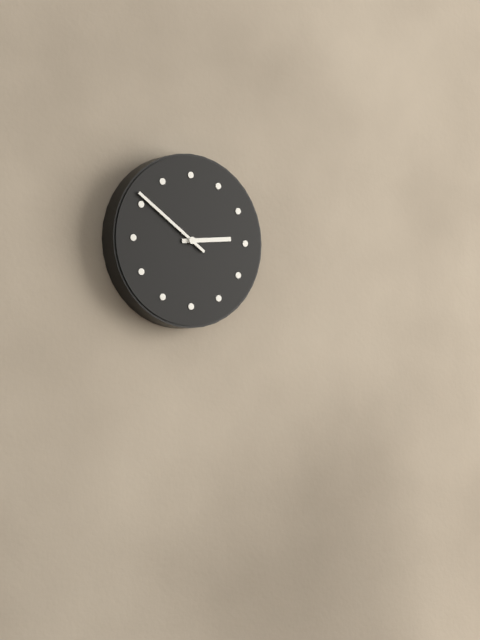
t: 2:51
